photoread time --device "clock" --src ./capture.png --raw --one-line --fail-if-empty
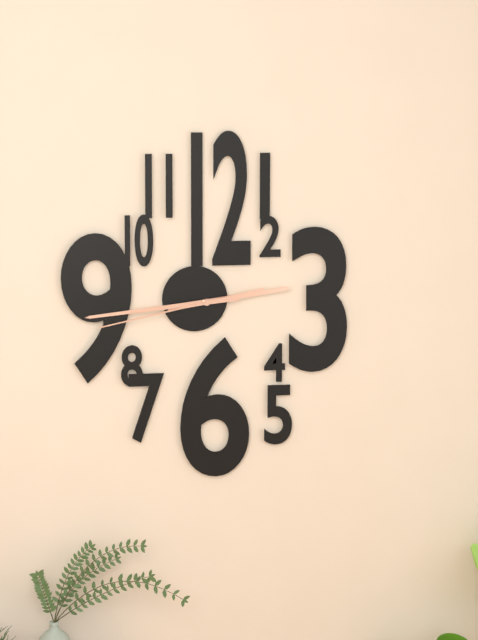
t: 2:44:43
